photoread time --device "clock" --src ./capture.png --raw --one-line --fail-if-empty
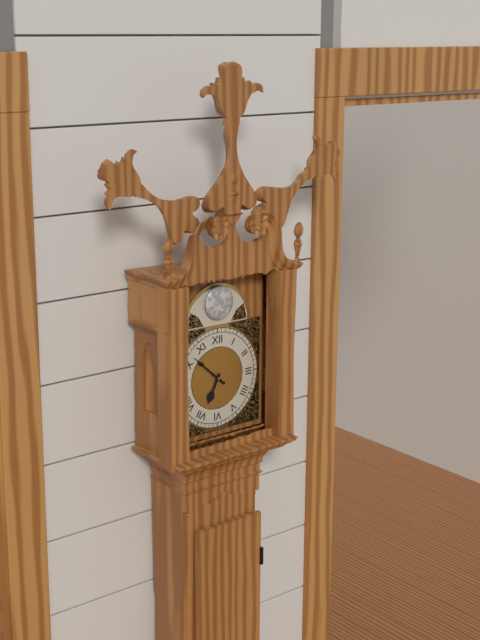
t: 6:52
